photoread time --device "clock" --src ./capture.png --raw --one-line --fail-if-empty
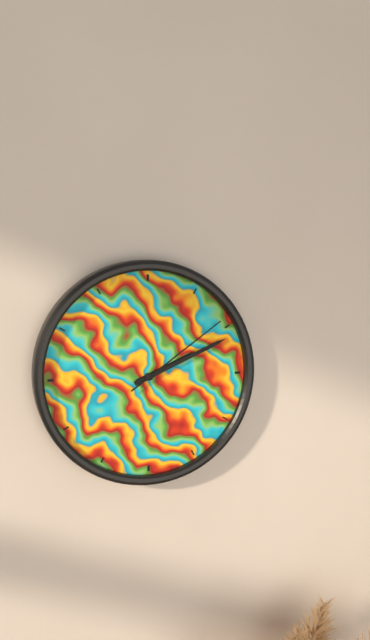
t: 2:11:09
